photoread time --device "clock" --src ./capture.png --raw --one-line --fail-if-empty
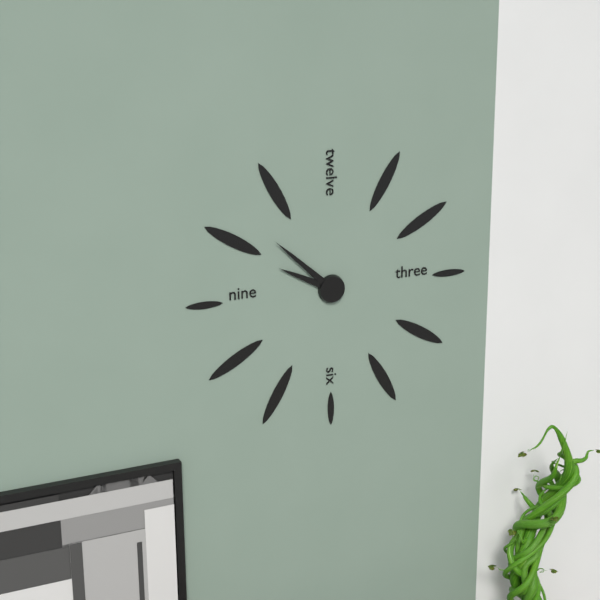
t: 9:52
